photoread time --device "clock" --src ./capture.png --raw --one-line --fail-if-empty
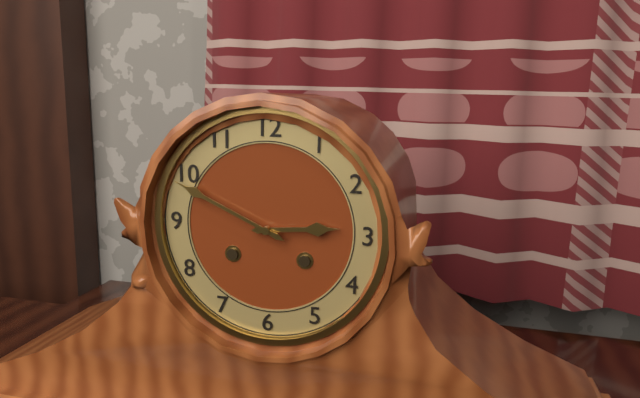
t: 2:49
